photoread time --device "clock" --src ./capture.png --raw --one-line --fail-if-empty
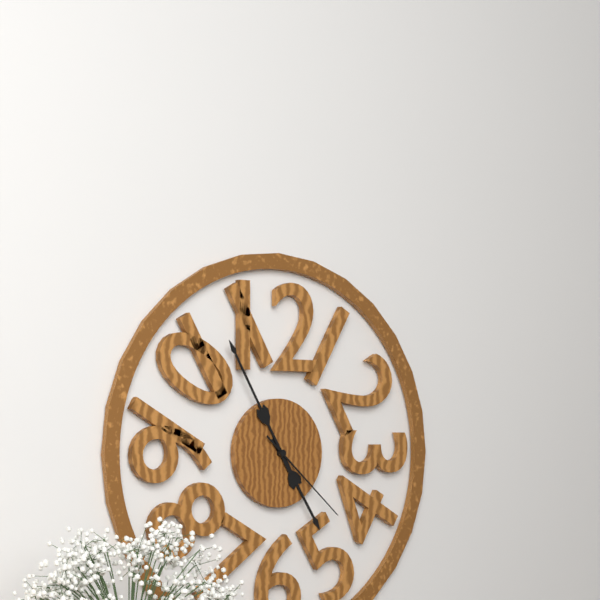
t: 4:55:22
